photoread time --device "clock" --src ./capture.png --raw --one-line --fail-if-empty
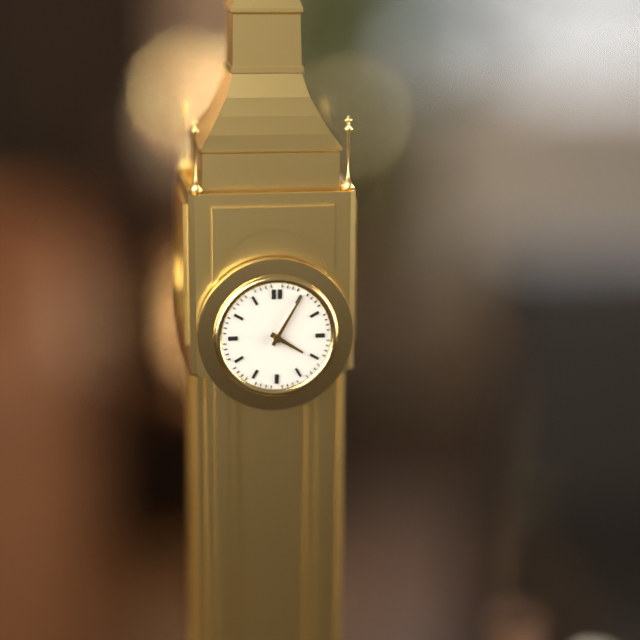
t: 4:05
